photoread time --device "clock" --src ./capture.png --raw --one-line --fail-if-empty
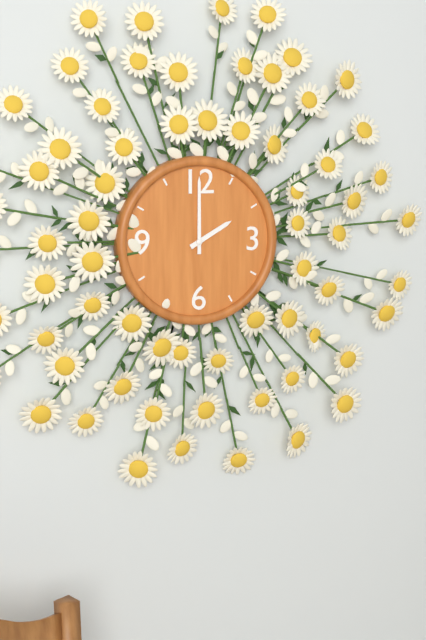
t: 2:00
